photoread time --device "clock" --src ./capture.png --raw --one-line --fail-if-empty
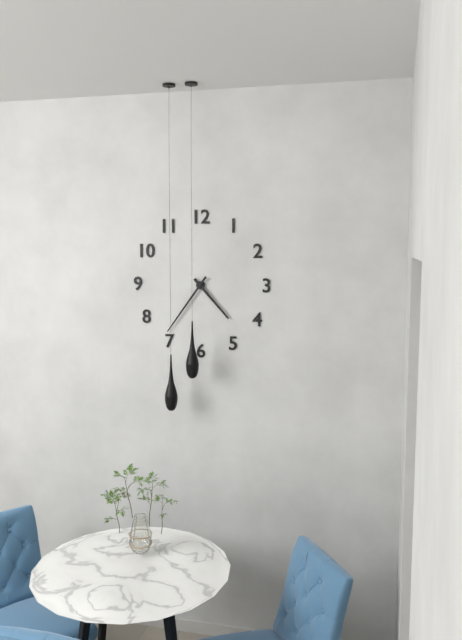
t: 4:36
